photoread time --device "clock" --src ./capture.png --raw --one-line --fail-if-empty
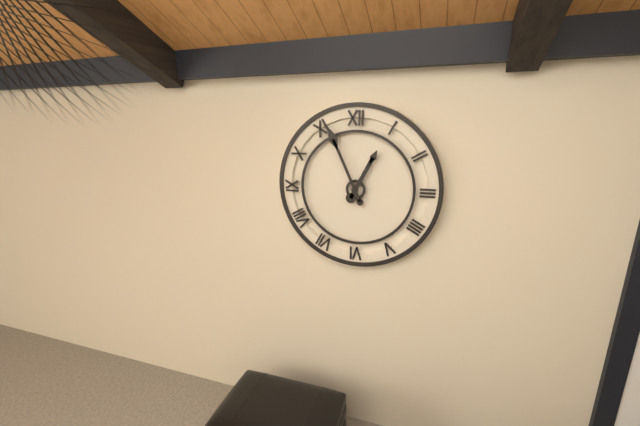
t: 12:56
